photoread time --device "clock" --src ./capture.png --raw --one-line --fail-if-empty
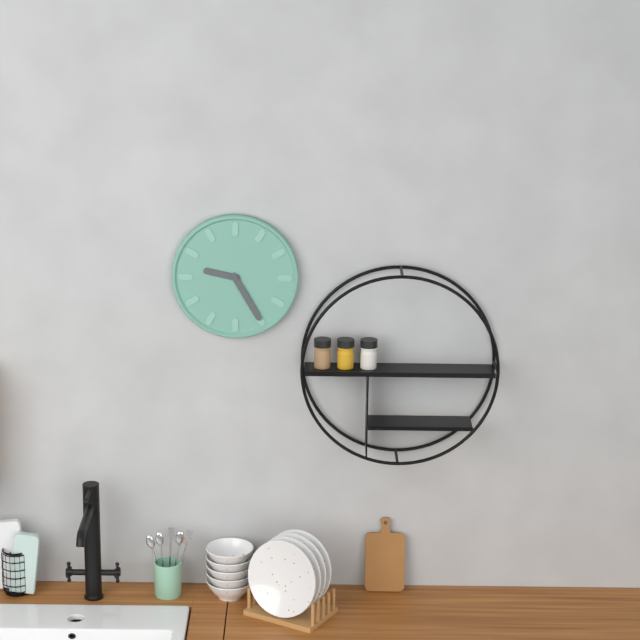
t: 9:25
